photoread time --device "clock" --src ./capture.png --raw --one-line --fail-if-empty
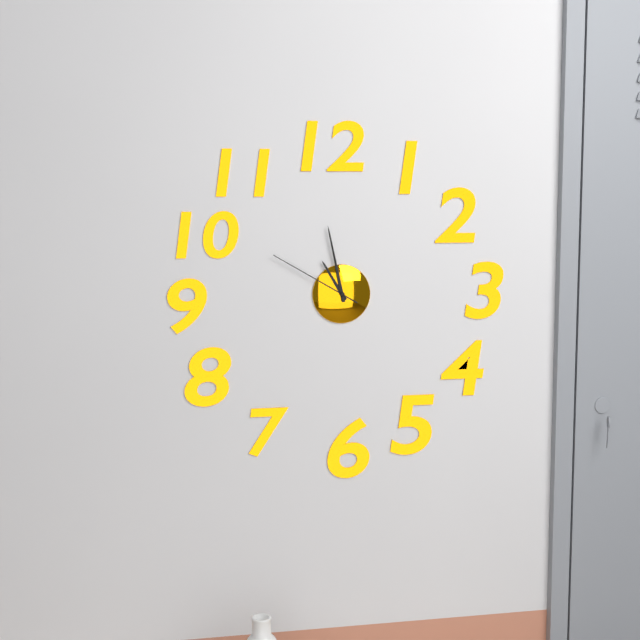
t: 10:58:50
